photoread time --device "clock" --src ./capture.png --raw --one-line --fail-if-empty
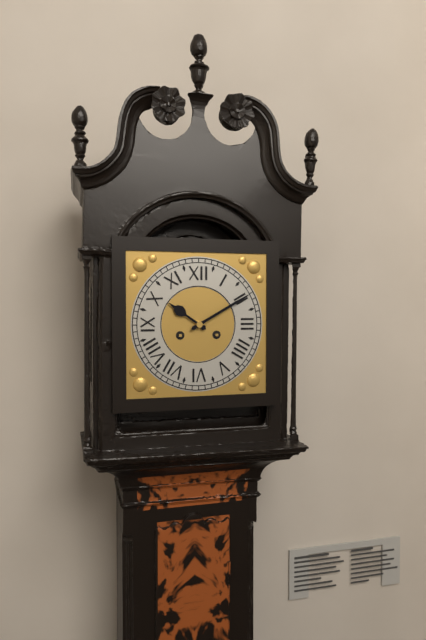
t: 10:10
